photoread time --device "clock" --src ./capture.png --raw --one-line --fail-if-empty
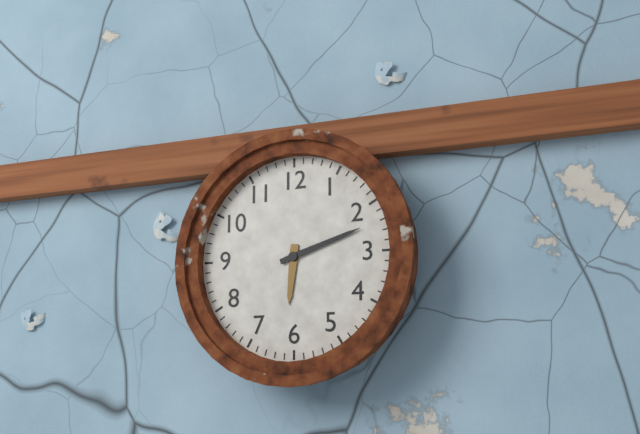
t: 6:12
